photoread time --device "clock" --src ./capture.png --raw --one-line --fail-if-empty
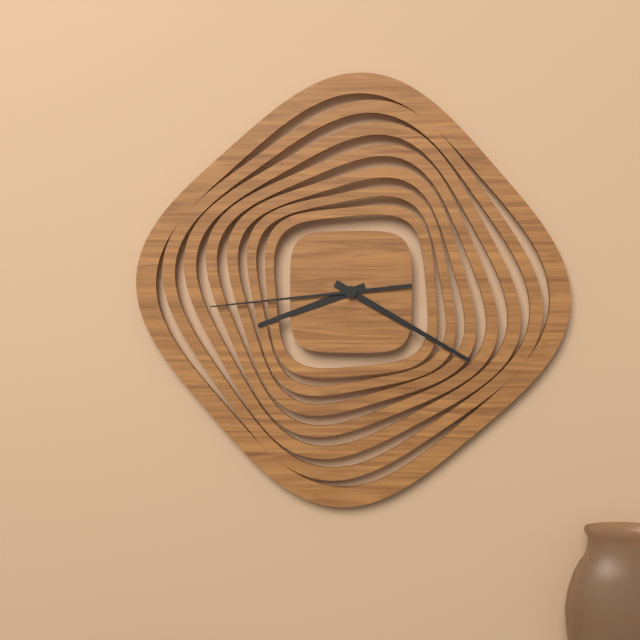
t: 8:20:44
